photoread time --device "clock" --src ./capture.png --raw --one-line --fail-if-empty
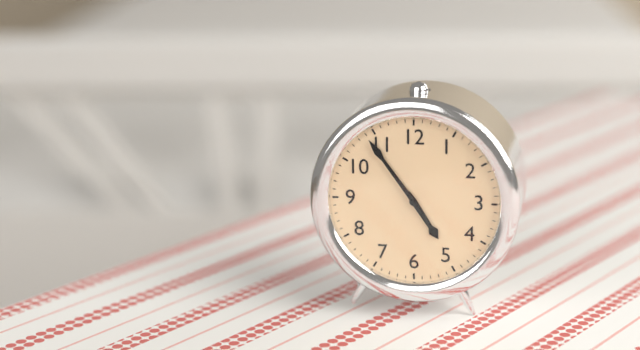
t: 4:54
